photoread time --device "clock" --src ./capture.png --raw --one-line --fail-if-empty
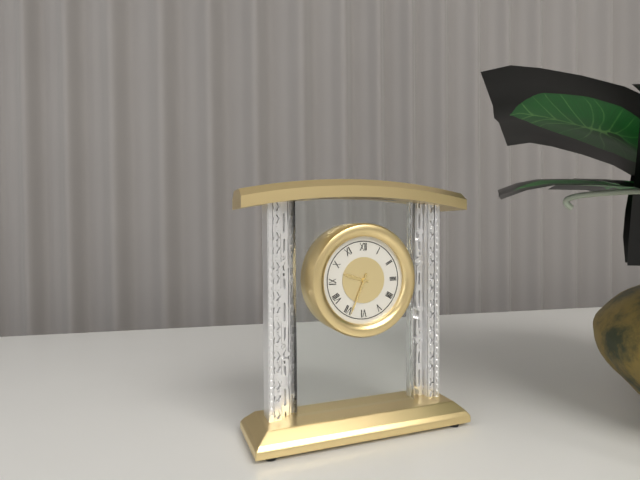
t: 9:34
